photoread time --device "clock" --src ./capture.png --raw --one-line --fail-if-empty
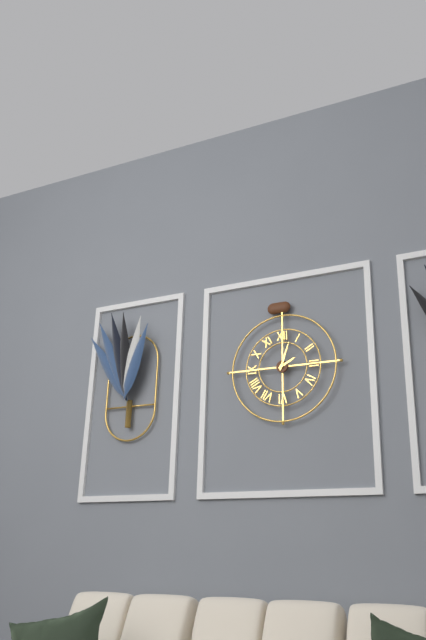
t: 2:03
